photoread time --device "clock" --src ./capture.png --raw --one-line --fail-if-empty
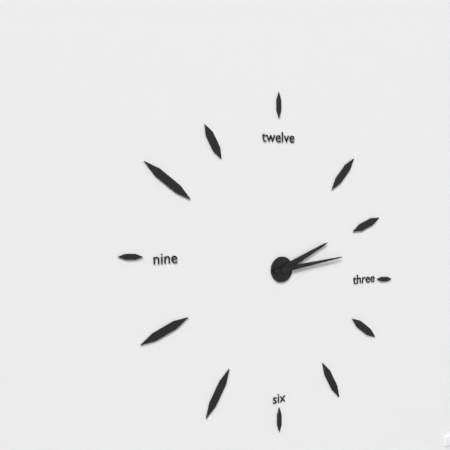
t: 2:14
